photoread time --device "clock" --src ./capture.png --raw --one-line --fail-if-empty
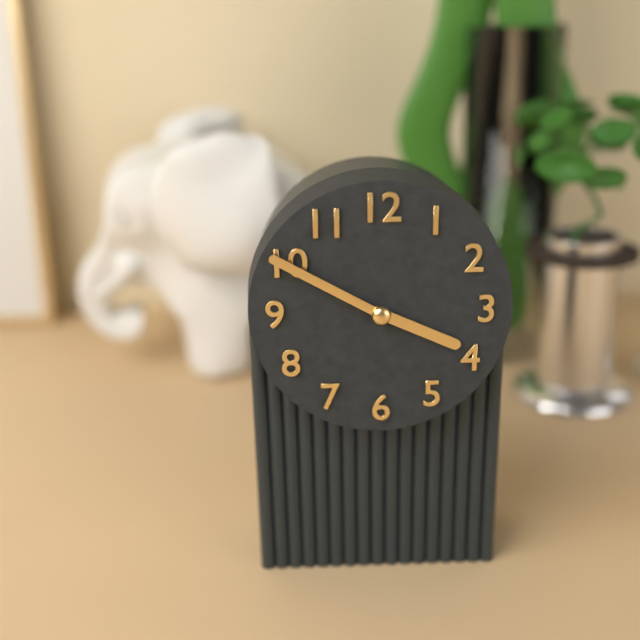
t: 3:50
